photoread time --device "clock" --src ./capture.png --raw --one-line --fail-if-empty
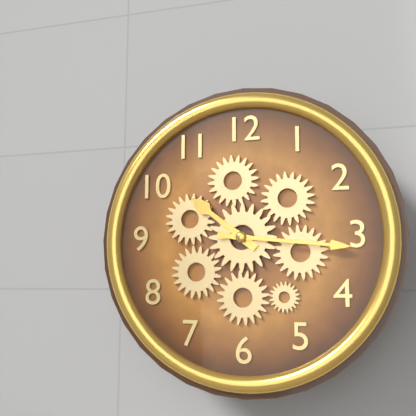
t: 10:16
